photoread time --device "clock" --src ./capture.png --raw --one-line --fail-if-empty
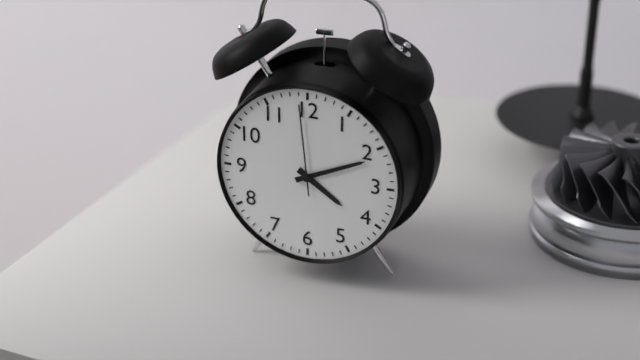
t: 4:11:59
